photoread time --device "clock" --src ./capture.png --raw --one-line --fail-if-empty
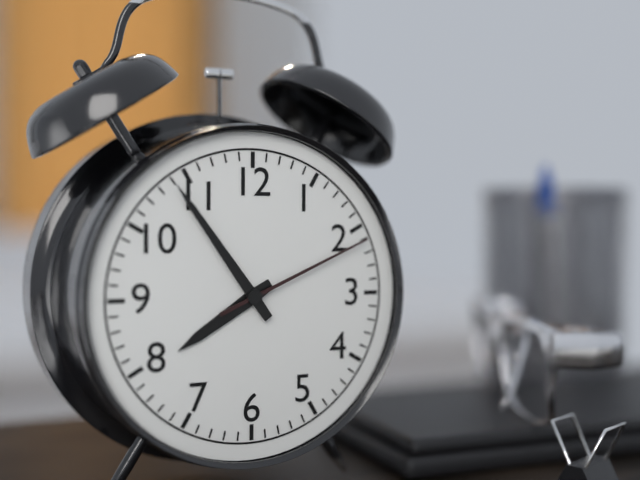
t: 7:54:11
